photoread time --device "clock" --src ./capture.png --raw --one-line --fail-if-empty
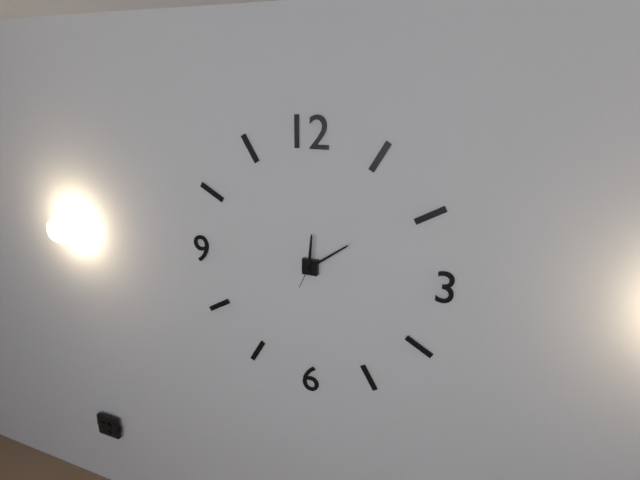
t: 12:09
